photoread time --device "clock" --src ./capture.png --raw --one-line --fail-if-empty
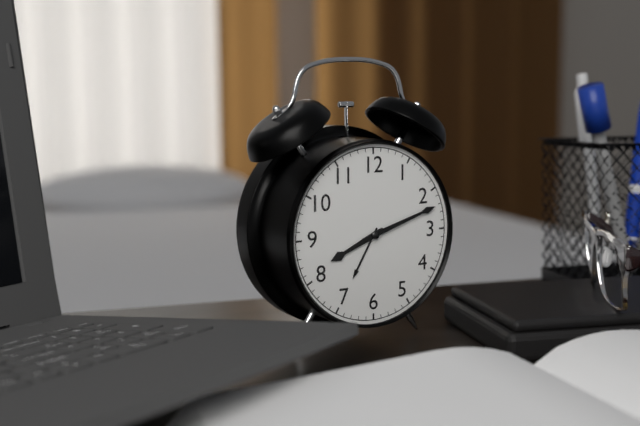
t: 8:12
